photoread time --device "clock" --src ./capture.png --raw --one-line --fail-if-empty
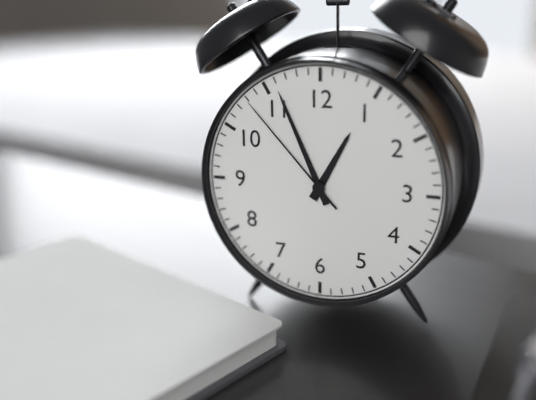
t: 12:56:53
